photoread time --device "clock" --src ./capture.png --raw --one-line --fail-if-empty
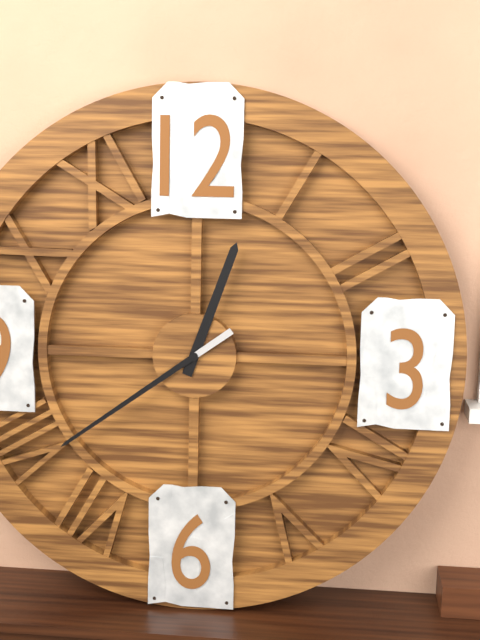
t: 12:39
